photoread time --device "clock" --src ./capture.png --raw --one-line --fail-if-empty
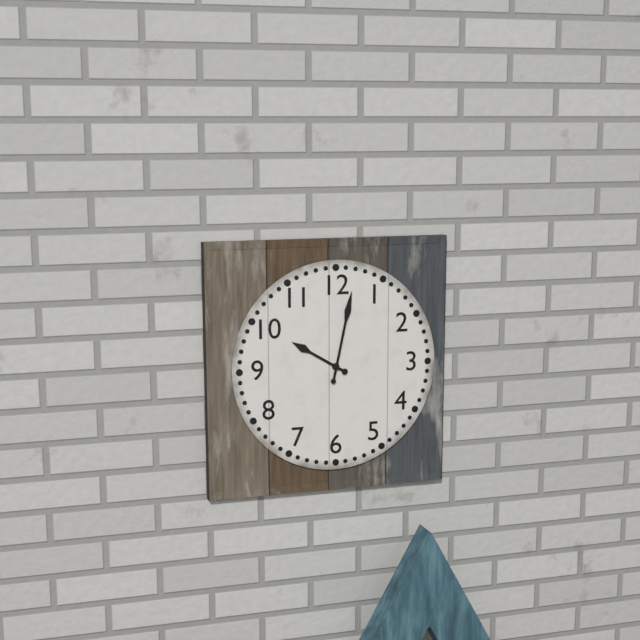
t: 10:02
